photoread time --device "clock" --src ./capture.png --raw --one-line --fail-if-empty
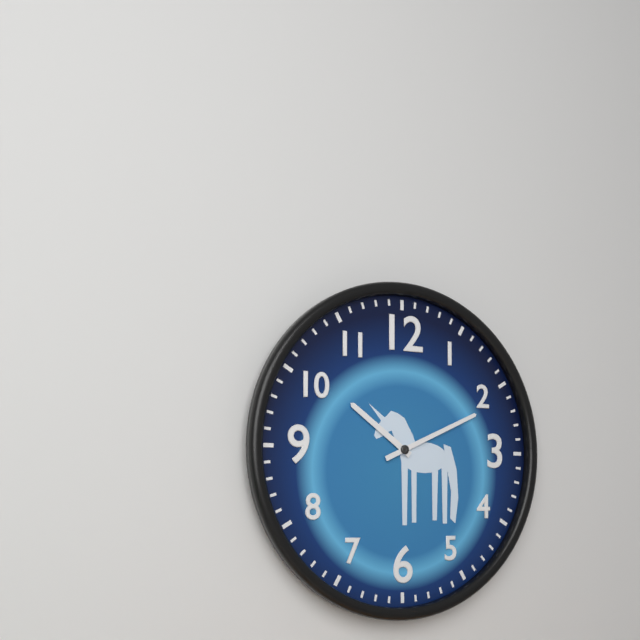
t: 10:11
